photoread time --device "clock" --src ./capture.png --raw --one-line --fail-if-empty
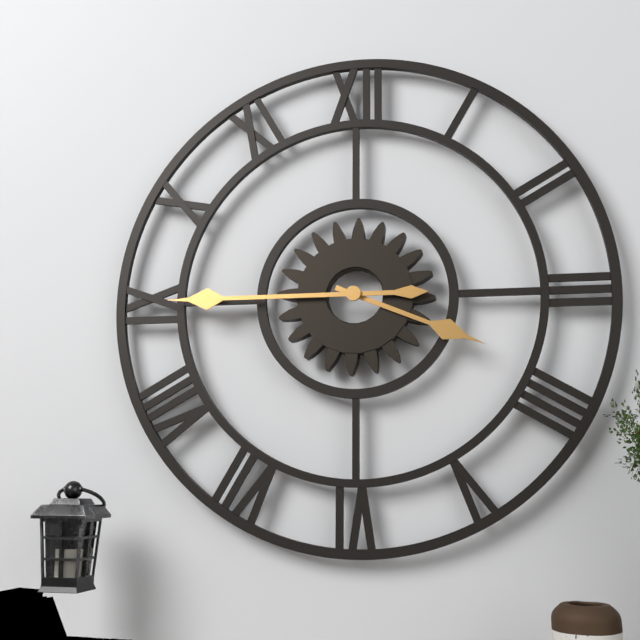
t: 3:45
